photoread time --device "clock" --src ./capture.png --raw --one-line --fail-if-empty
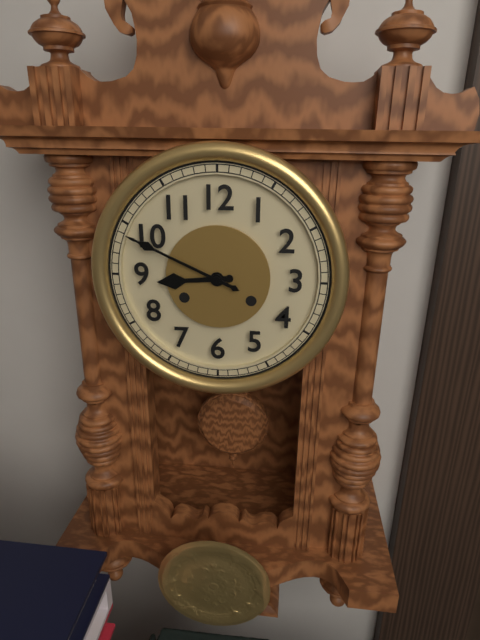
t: 8:49
